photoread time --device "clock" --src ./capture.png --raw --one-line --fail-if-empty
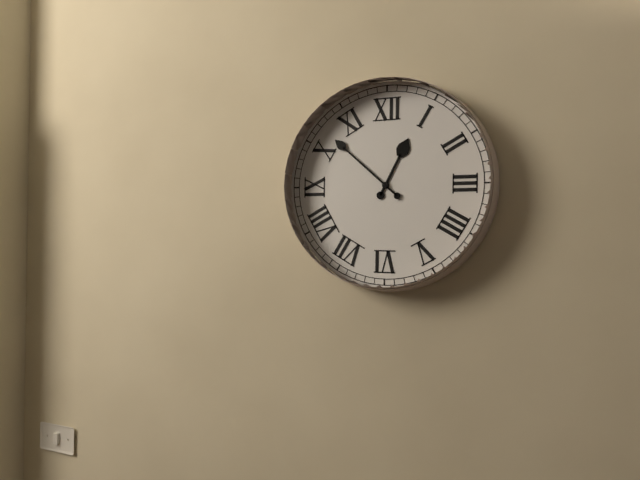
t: 12:52
